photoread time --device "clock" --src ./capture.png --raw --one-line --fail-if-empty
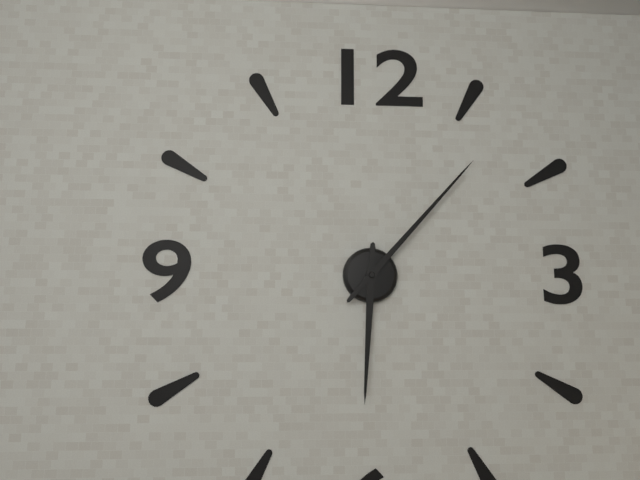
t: 6:07
